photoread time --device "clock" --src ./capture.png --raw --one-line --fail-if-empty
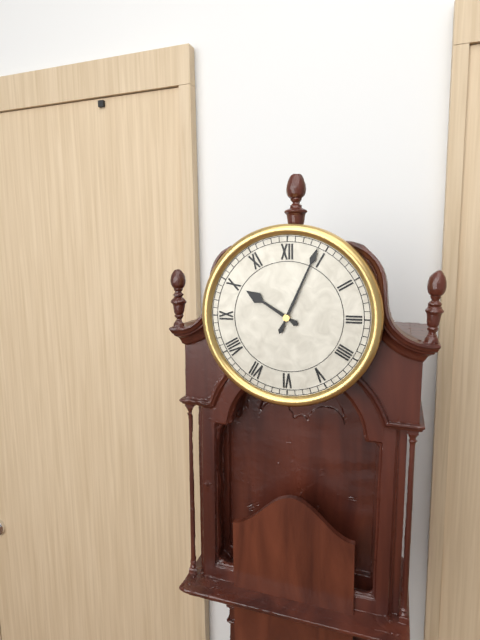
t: 10:04
